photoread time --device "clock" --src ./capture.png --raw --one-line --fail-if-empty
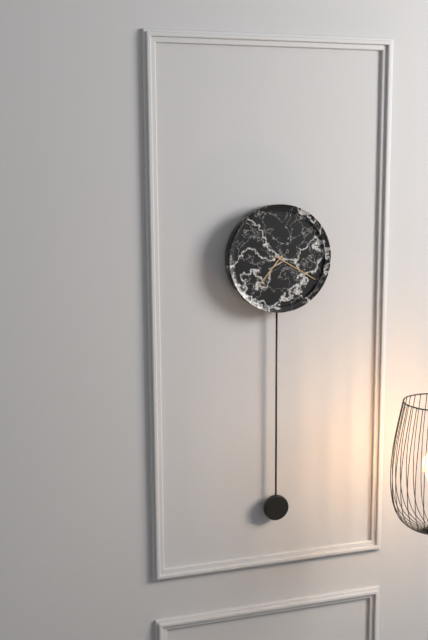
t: 7:20
